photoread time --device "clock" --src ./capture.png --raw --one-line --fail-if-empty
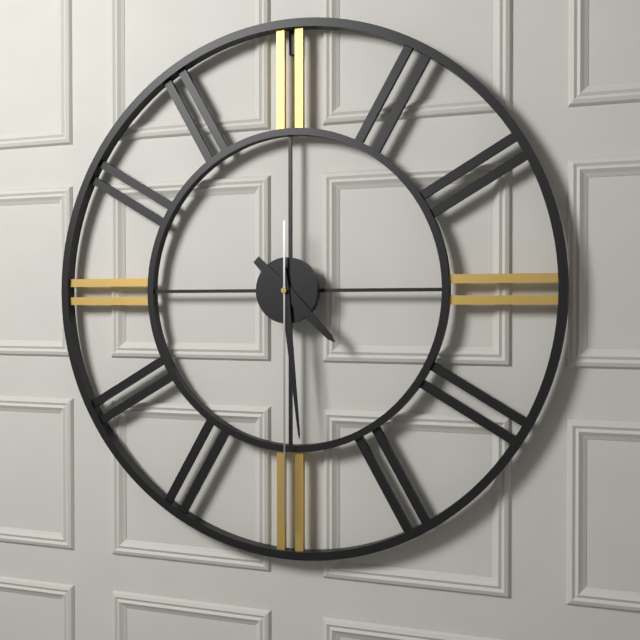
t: 4:29:30
